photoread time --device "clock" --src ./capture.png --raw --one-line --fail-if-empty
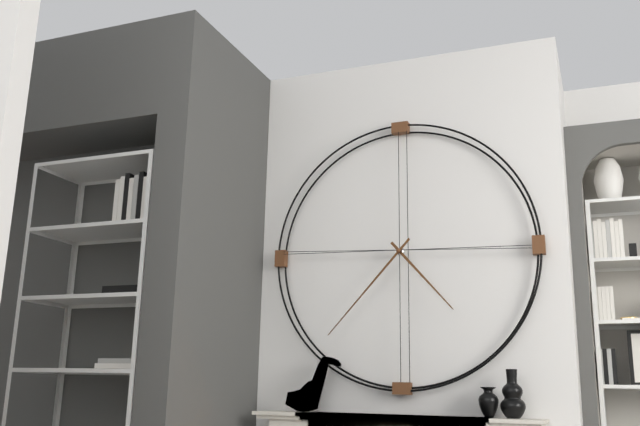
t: 4:37
